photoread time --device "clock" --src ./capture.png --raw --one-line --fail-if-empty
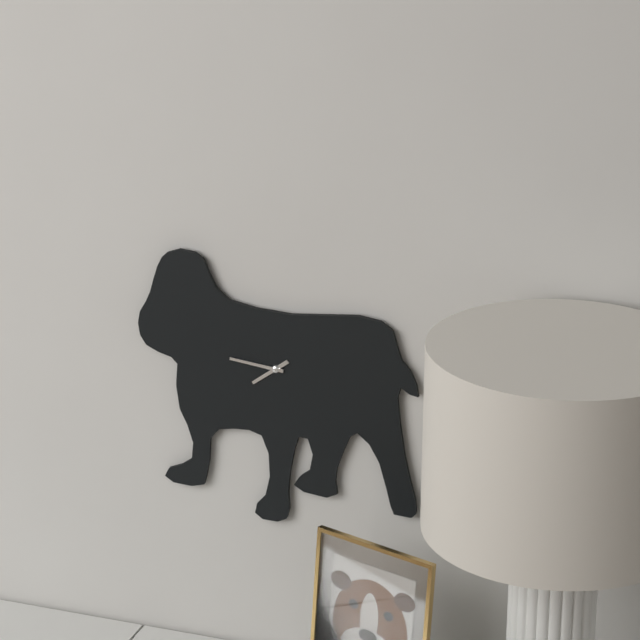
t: 7:46
